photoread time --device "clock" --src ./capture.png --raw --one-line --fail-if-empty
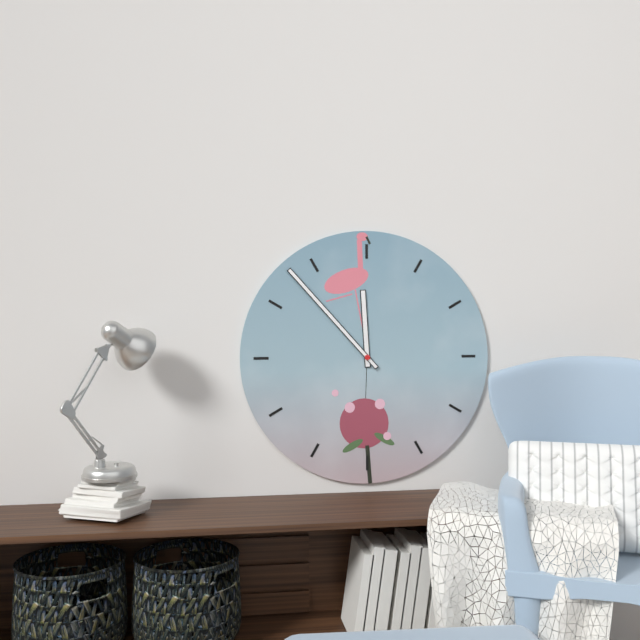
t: 11:53
